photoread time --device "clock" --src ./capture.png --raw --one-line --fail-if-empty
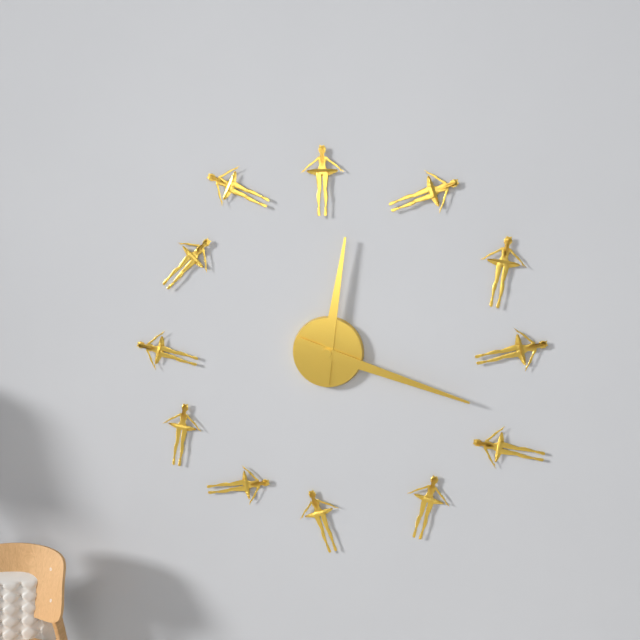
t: 12:18
